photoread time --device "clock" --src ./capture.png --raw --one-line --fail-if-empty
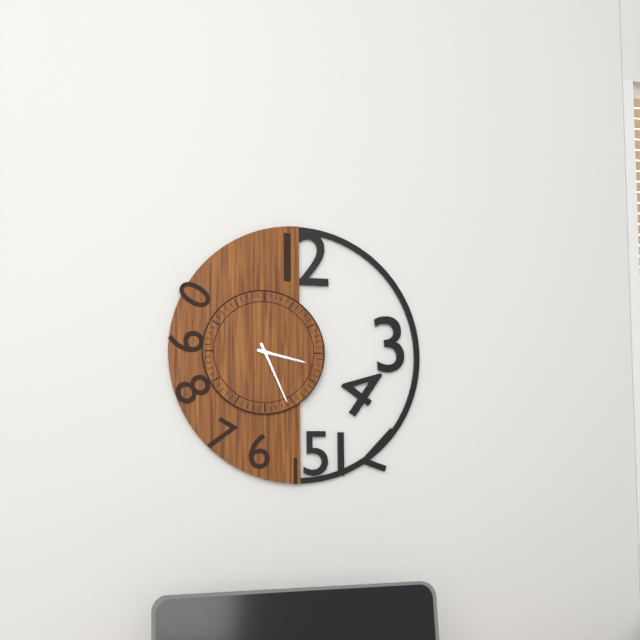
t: 3:26
